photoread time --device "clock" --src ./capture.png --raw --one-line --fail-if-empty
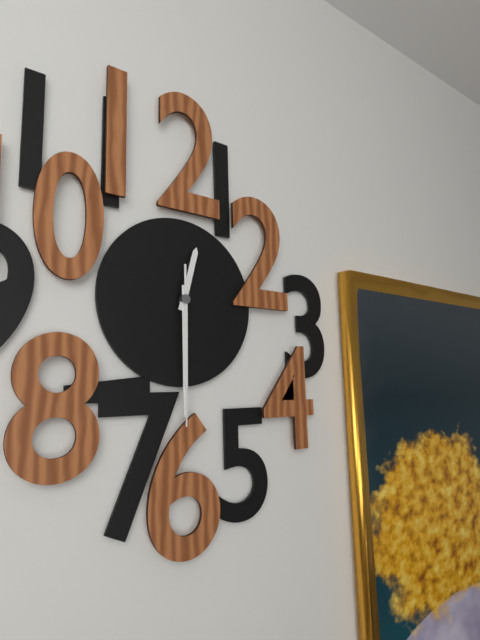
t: 12:30:30
